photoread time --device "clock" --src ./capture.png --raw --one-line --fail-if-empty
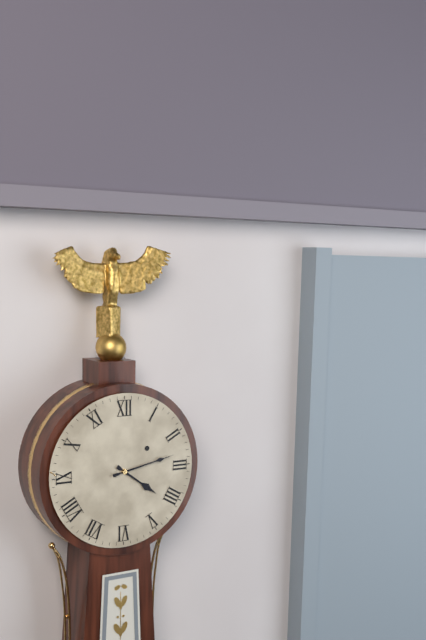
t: 4:13
